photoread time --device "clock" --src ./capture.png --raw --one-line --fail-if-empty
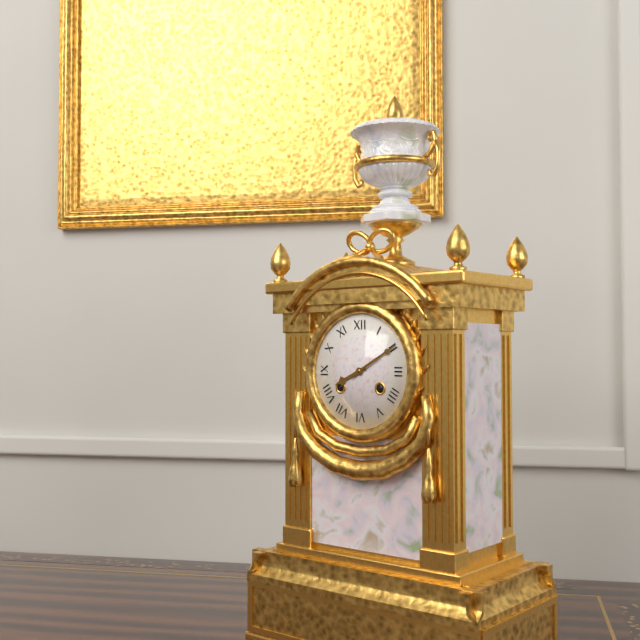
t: 8:10
